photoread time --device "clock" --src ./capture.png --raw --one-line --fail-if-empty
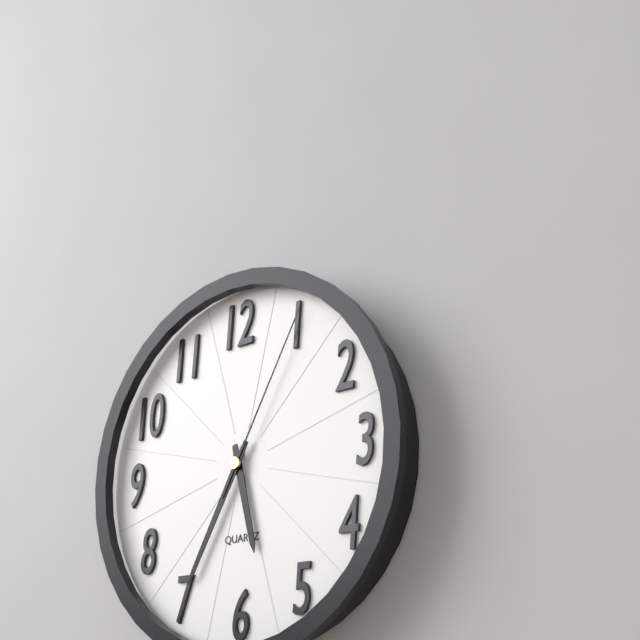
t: 5:35:05
